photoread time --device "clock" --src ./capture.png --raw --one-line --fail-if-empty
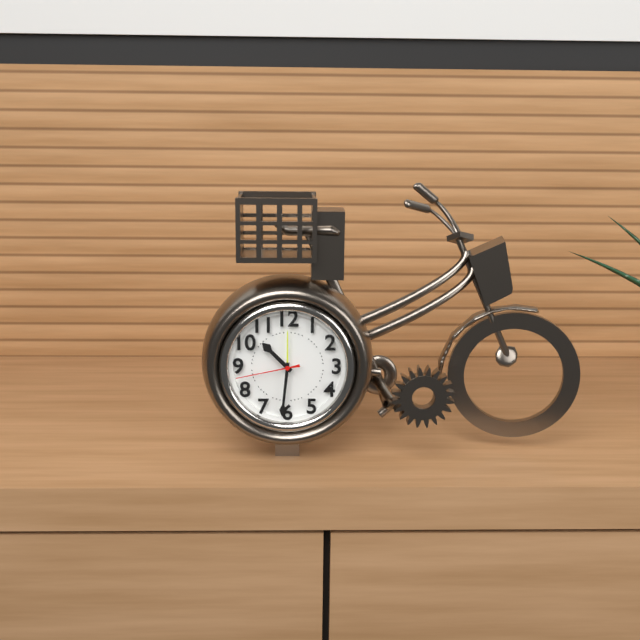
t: 10:31:43
